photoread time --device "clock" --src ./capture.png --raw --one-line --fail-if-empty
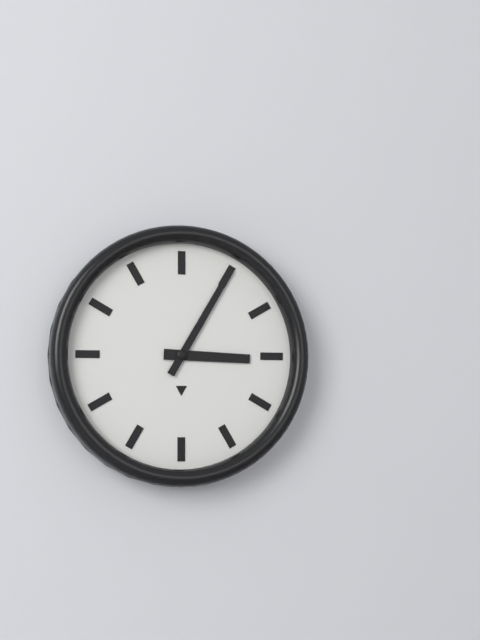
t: 3:05
